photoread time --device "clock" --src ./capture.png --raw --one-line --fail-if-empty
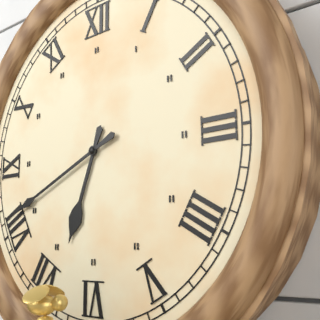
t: 6:41
